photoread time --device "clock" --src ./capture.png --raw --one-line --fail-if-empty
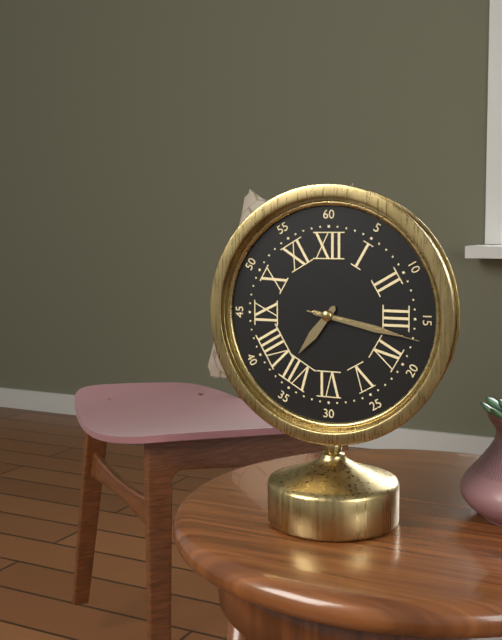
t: 7:17:17
